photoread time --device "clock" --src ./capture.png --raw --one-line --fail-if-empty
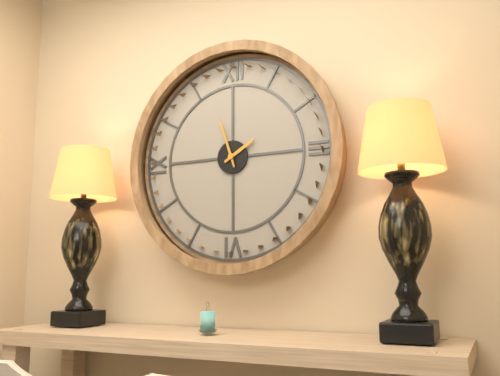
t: 1:57
